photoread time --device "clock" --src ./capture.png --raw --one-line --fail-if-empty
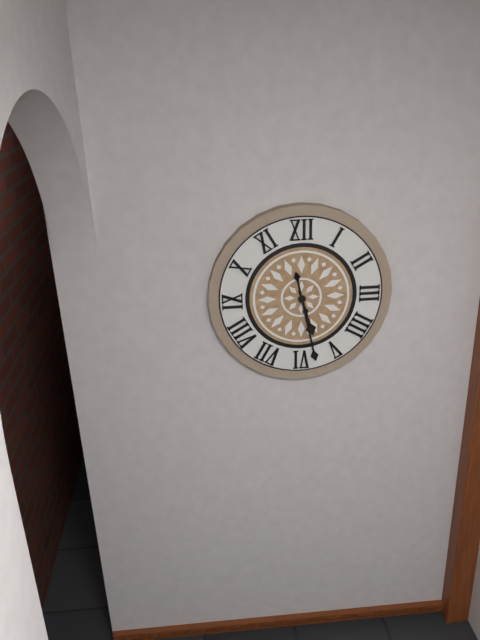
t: 5:28
